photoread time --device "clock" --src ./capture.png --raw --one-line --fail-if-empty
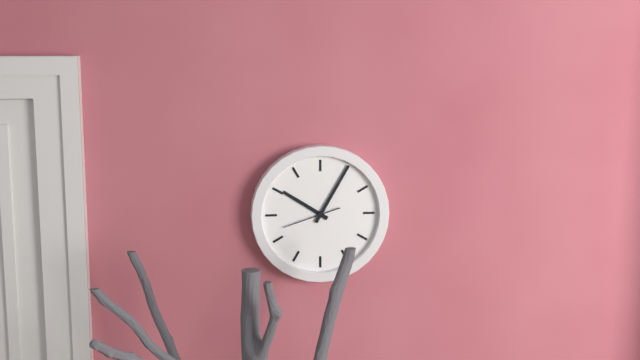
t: 10:05
